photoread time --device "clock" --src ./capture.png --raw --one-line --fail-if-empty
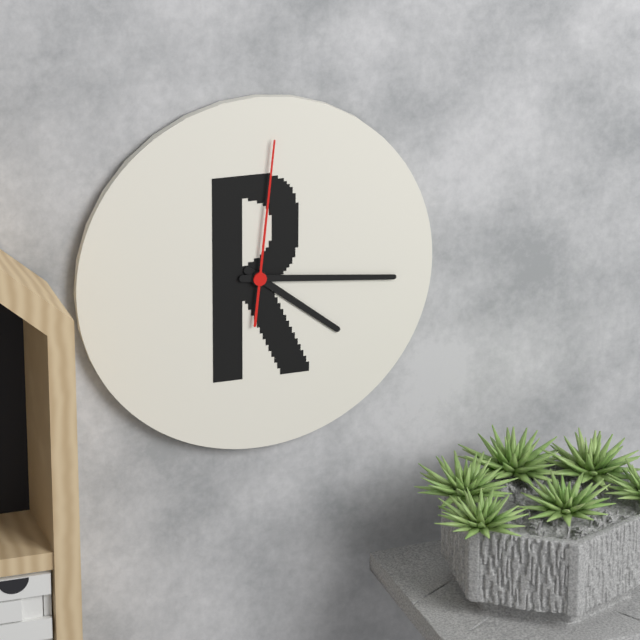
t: 4:16:01
